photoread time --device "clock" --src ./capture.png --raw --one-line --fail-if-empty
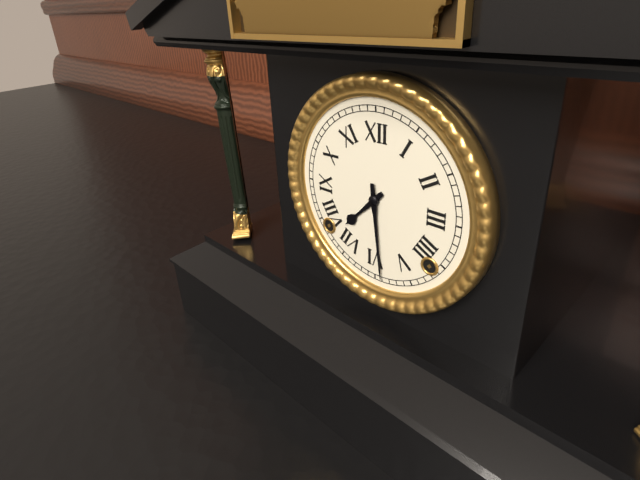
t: 7:29
